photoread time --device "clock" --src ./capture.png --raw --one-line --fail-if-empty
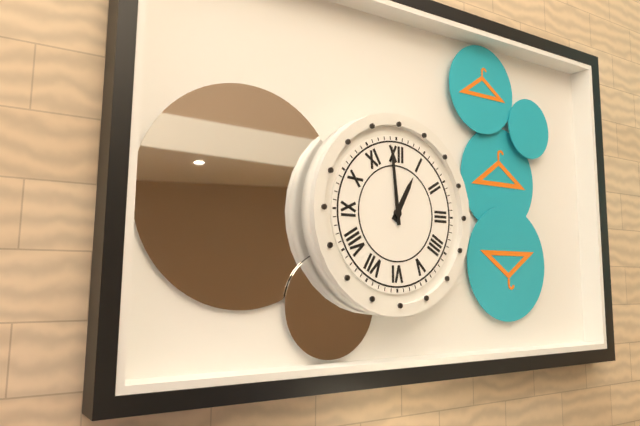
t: 12:59
